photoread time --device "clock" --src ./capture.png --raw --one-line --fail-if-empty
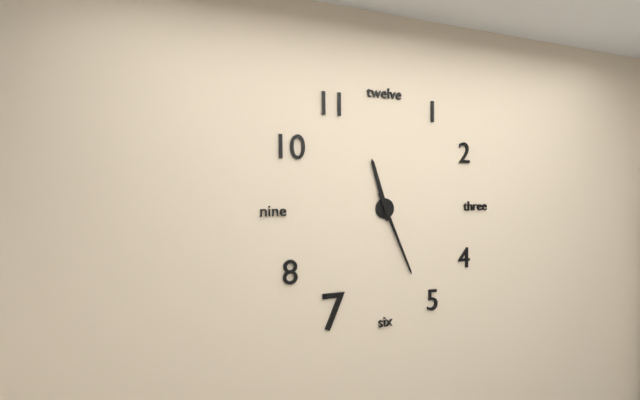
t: 11:26
